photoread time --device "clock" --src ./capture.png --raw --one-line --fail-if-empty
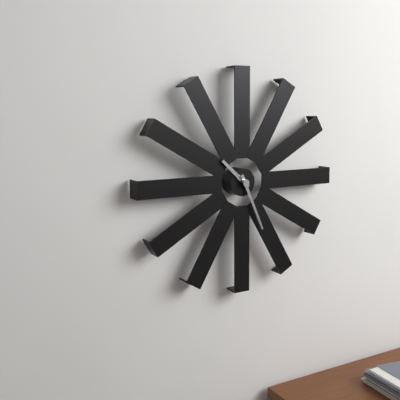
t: 10:26
